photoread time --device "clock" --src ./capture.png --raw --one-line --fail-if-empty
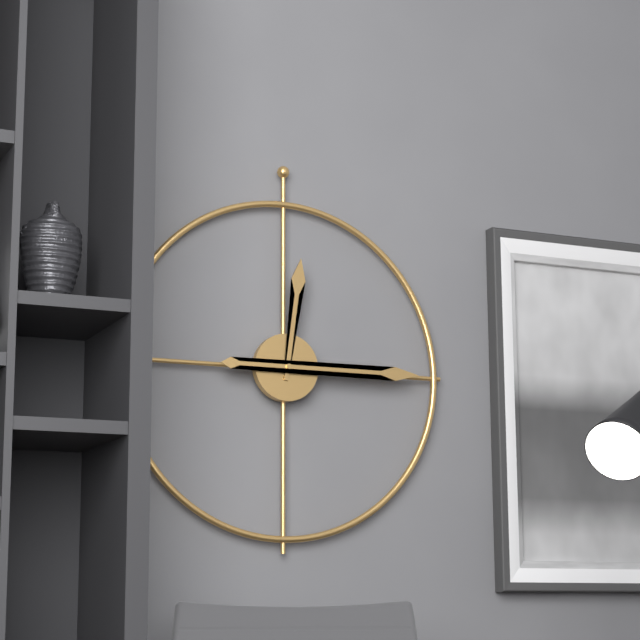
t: 12:15
